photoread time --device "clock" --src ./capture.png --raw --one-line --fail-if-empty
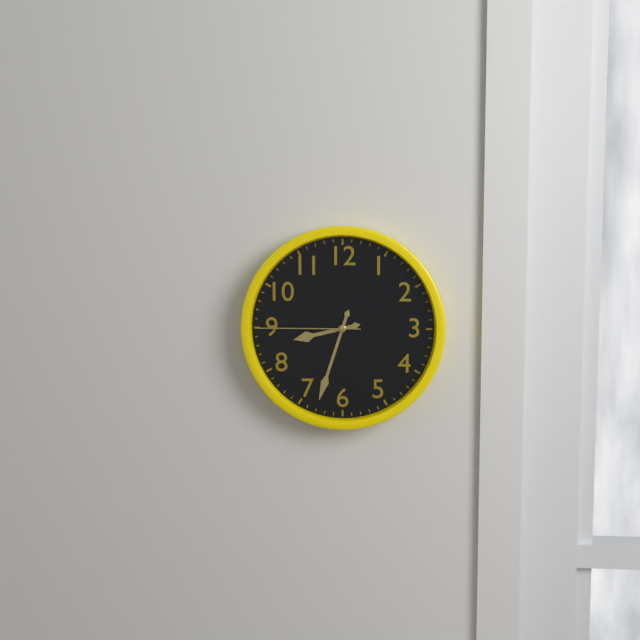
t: 8:33:45
